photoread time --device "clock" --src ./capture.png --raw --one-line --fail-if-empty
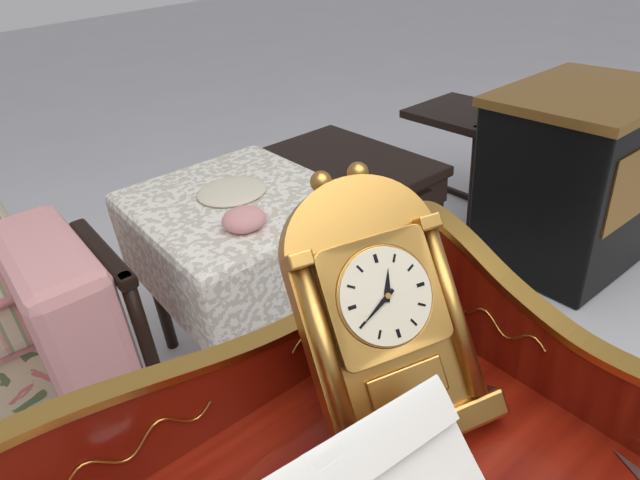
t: 12:40
